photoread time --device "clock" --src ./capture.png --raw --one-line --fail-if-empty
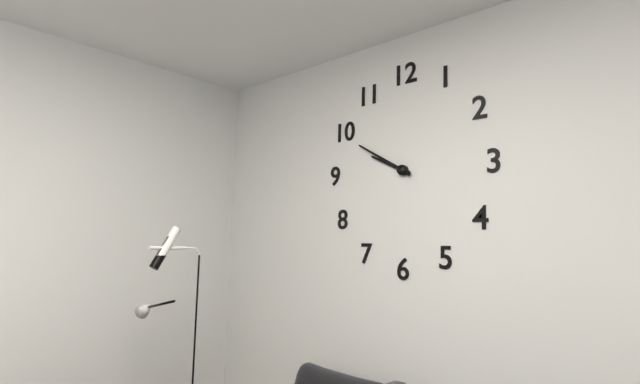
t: 9:50
